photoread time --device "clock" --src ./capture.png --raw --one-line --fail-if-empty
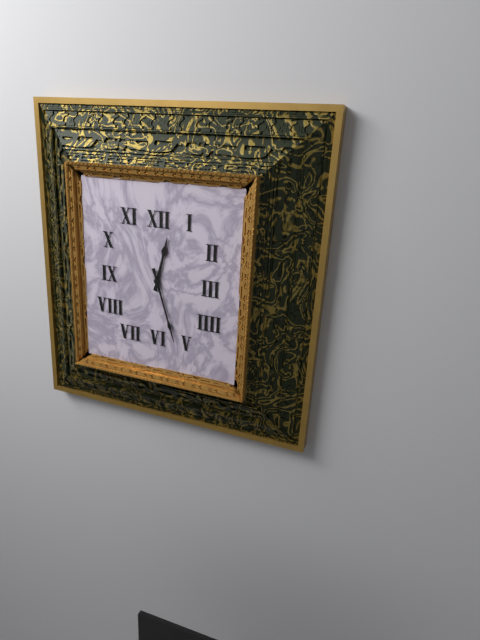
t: 12:27
